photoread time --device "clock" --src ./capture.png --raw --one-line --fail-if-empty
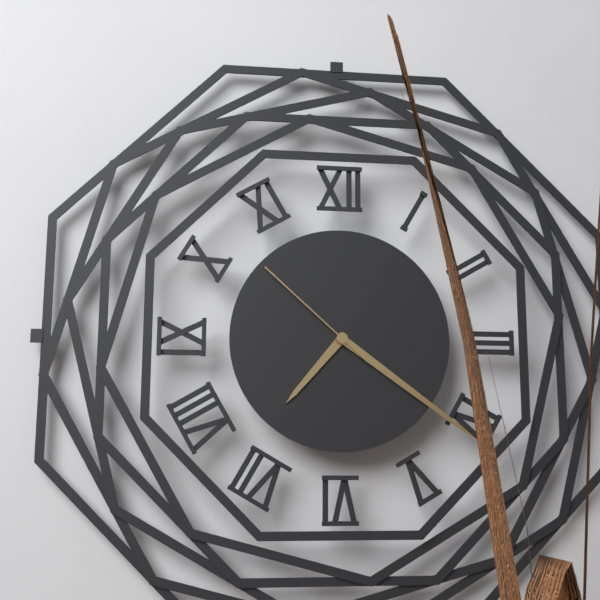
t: 7:21:52
